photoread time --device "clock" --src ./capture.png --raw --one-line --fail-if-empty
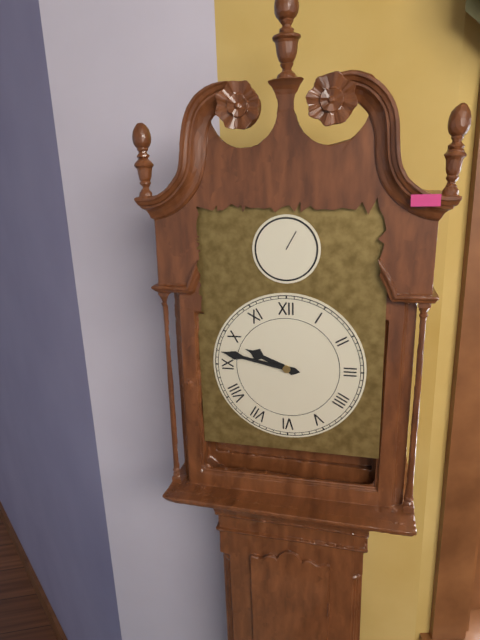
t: 9:47
